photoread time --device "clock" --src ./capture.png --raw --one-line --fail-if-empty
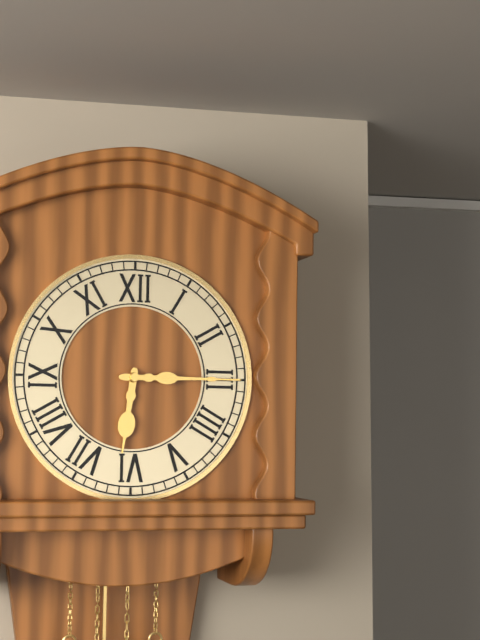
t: 6:15
